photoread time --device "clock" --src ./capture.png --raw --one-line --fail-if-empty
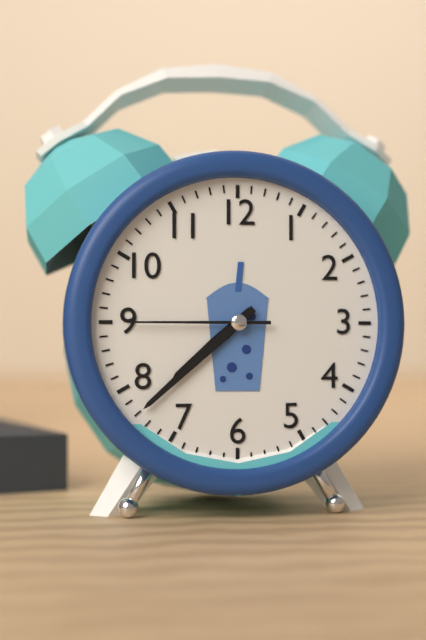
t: 7:38:45
